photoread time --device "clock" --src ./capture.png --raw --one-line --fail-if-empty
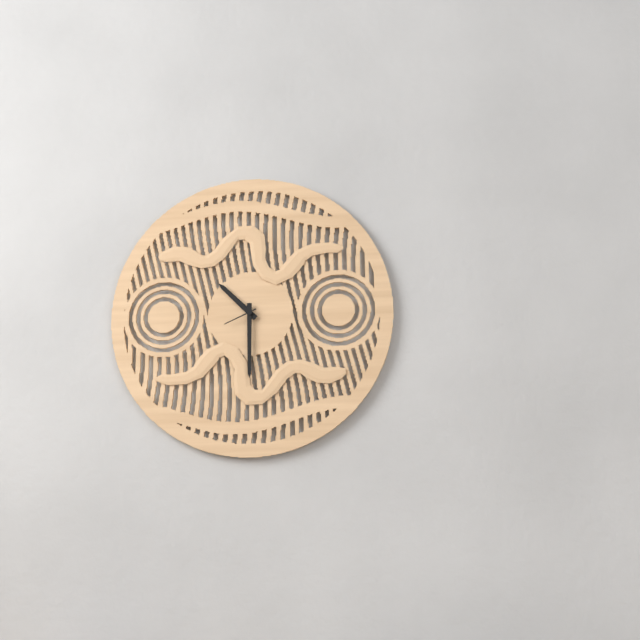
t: 10:30
